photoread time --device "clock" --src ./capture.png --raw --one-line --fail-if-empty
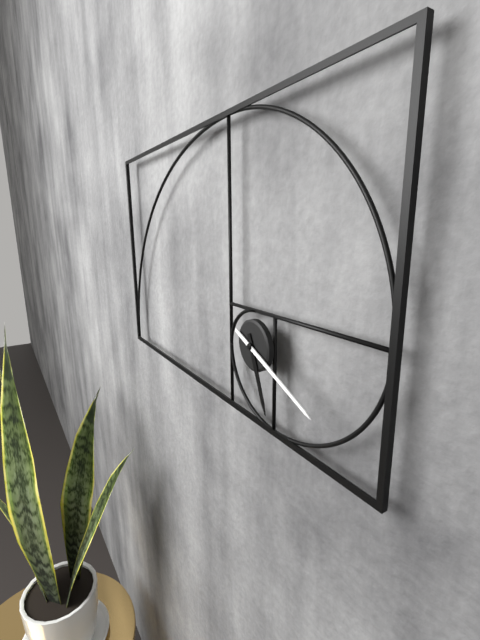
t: 5:19
